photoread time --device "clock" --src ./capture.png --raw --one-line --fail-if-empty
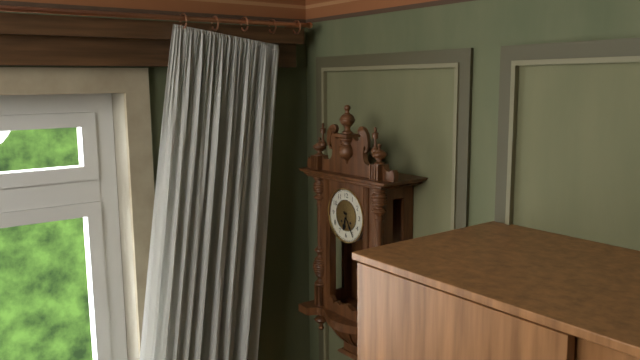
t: 6:25
